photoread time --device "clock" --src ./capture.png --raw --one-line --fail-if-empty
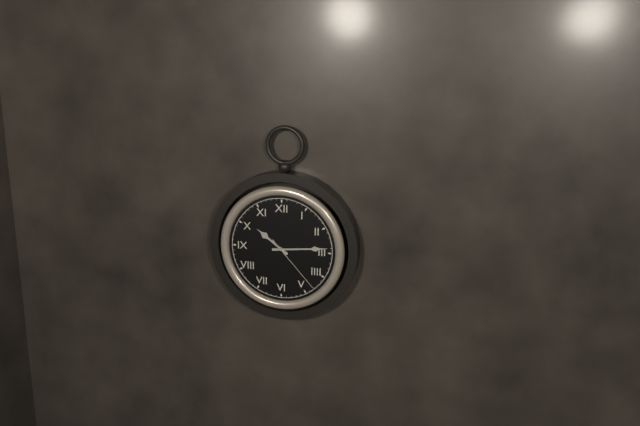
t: 10:14:23
